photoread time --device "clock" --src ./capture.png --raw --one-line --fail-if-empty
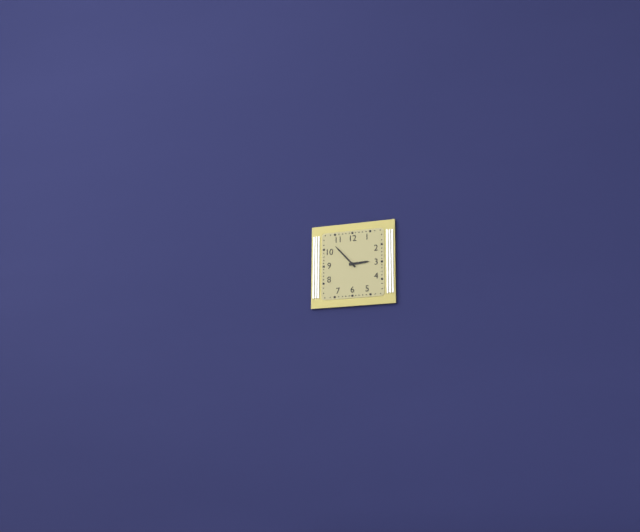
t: 2:53
